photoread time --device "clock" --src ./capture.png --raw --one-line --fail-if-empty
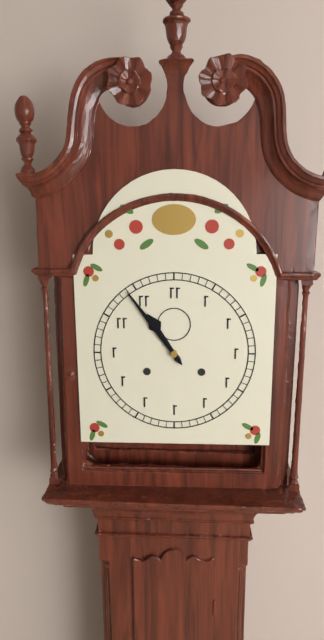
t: 10:54
